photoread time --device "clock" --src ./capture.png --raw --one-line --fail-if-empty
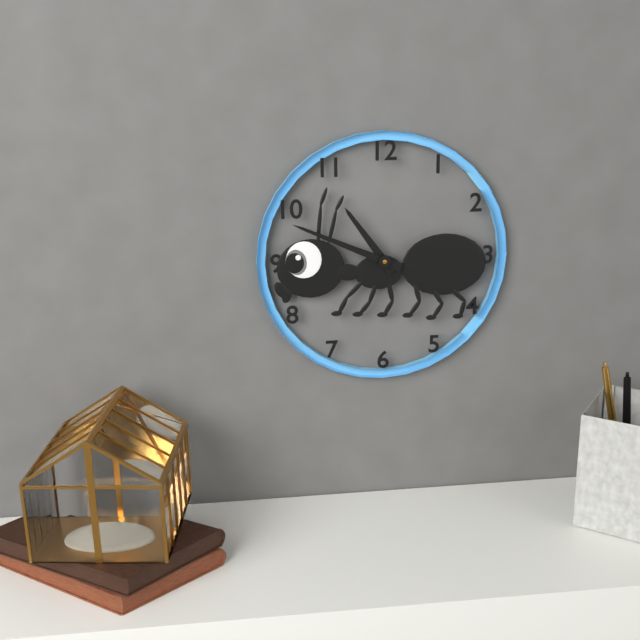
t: 10:49
